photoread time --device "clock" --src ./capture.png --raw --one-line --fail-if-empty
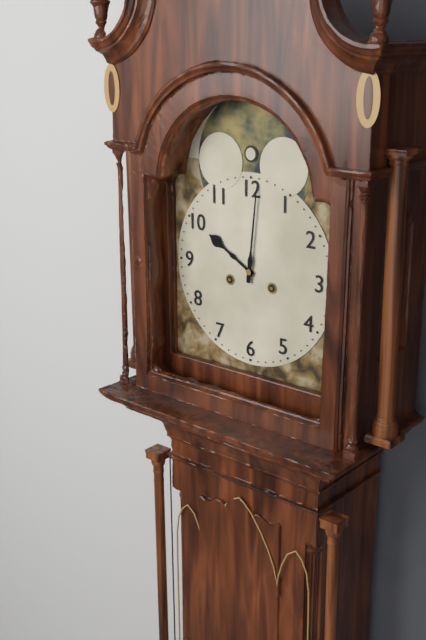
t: 10:01
